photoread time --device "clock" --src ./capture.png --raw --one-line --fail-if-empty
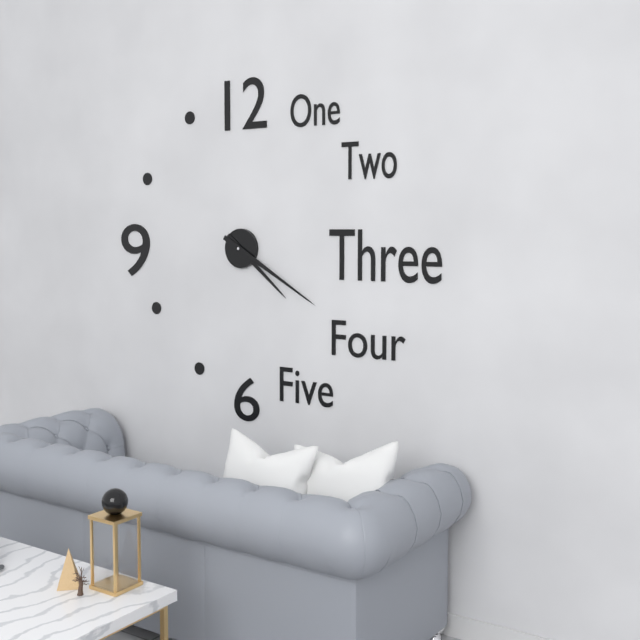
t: 4:20
